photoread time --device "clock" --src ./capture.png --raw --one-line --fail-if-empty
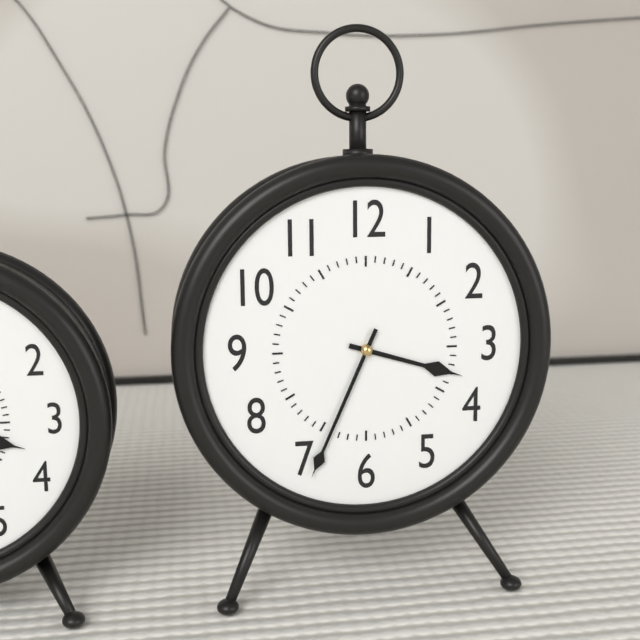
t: 3:34
